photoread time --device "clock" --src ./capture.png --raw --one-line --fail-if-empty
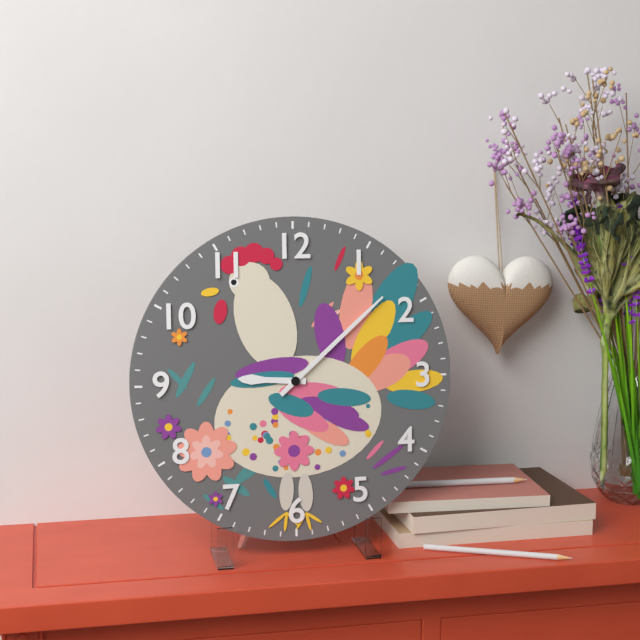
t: 9:08
